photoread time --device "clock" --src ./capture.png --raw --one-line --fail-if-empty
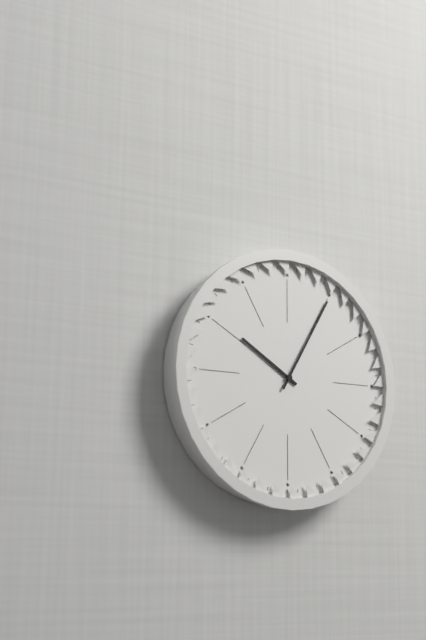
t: 10:05
